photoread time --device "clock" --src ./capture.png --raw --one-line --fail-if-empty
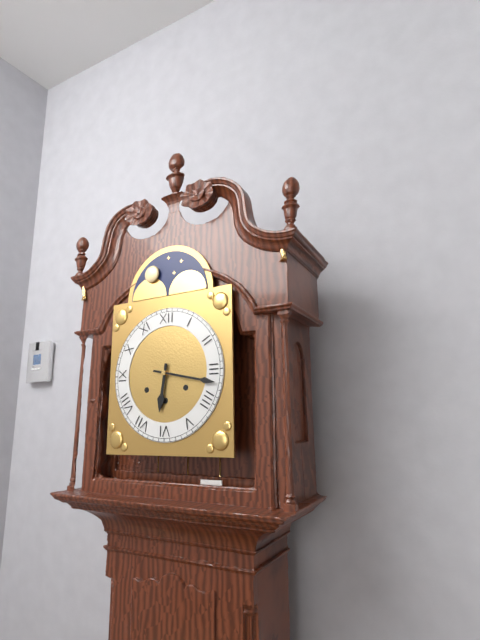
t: 6:17
